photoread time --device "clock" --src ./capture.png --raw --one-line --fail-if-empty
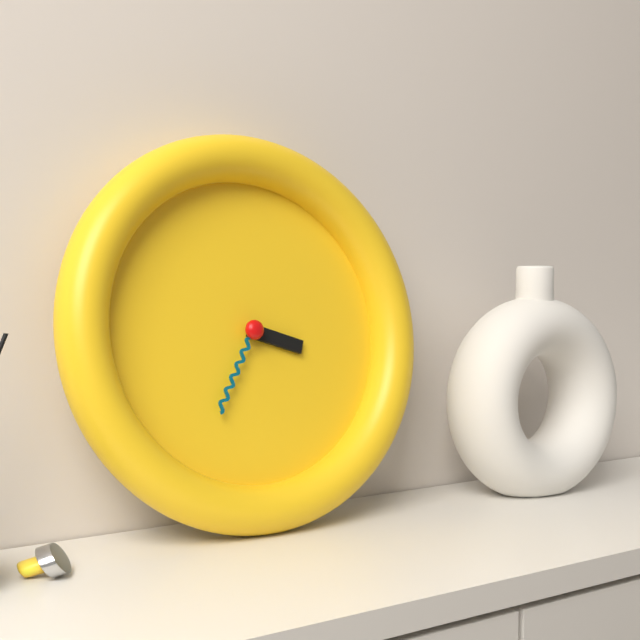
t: 3:35
